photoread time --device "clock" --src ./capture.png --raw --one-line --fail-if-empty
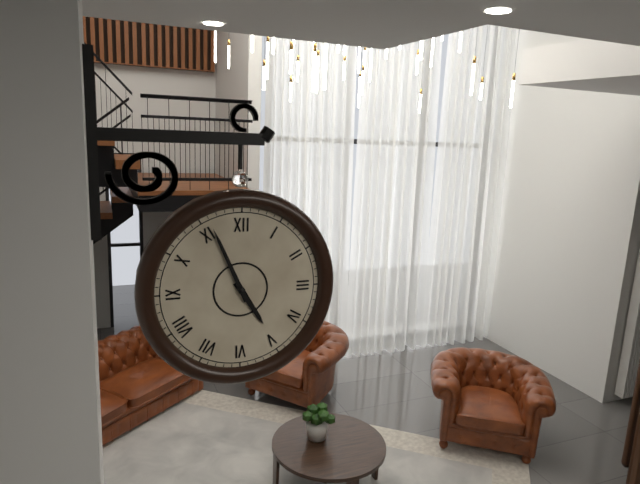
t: 4:56
